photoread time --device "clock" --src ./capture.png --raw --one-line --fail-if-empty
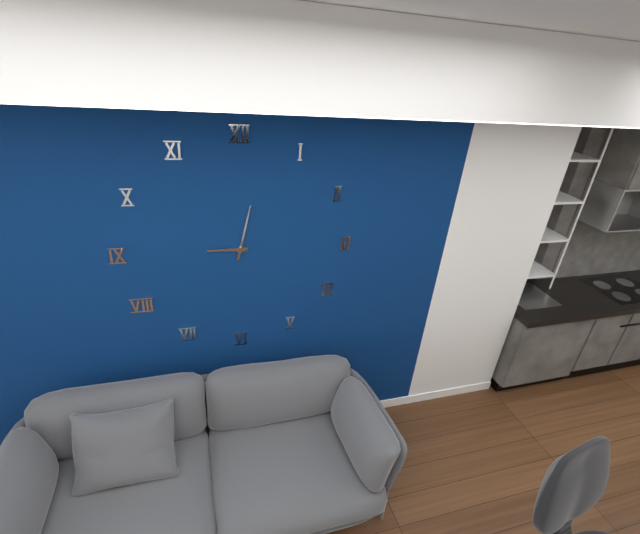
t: 9:02
